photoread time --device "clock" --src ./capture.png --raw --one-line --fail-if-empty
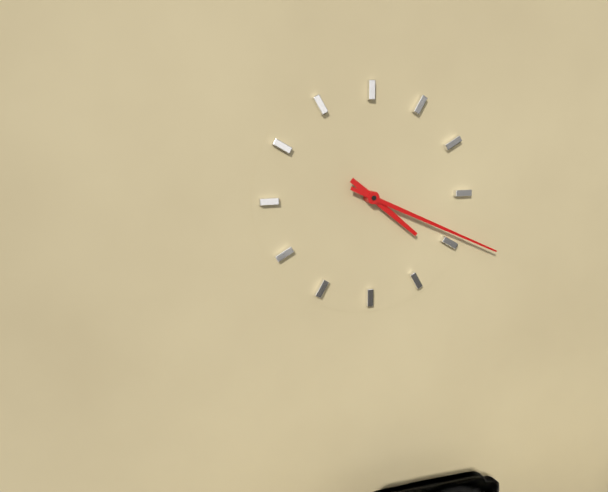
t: 4:19
